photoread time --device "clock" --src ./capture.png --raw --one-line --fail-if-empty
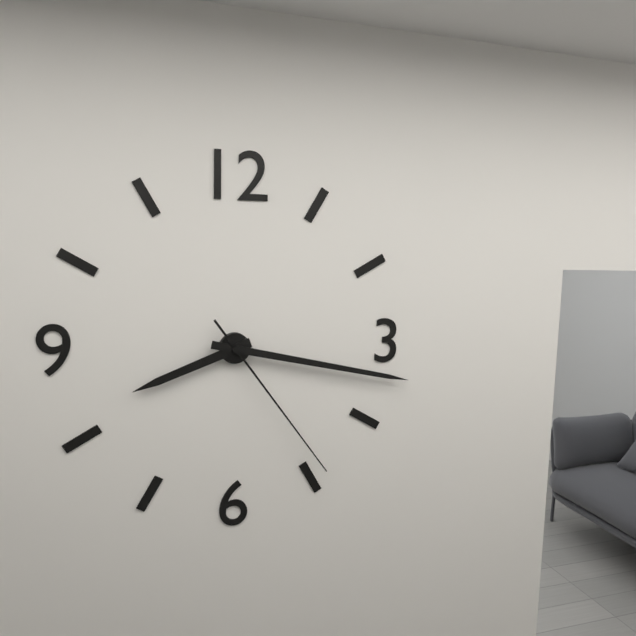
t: 8:17:24
